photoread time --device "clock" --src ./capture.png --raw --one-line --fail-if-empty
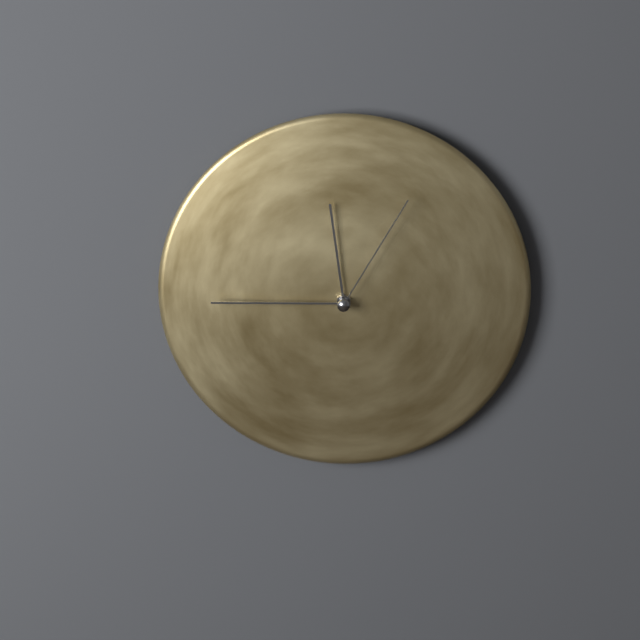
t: 11:45:05
